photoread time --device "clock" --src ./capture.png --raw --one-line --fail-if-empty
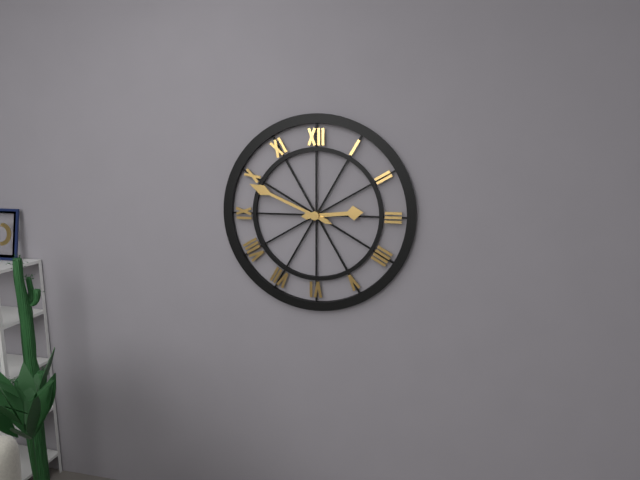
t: 2:49
